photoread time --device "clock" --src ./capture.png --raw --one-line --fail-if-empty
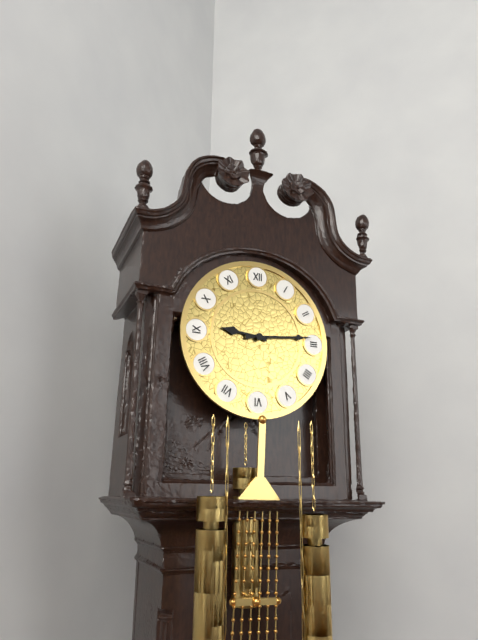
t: 9:14
